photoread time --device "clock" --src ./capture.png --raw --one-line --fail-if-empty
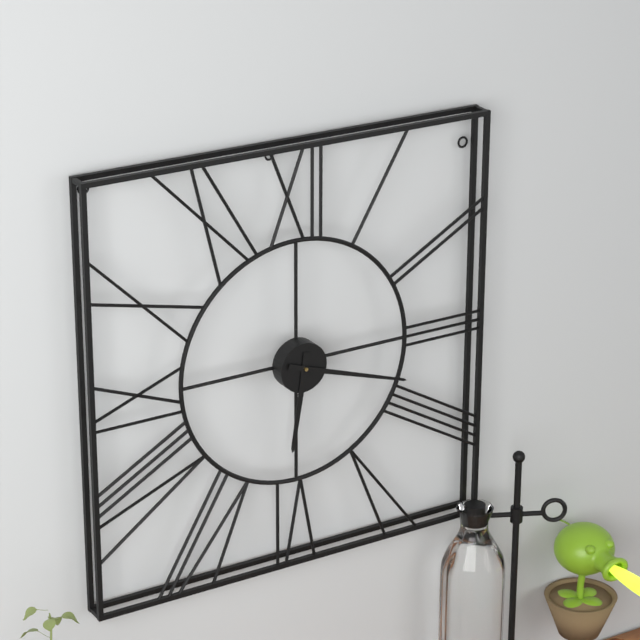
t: 6:18
